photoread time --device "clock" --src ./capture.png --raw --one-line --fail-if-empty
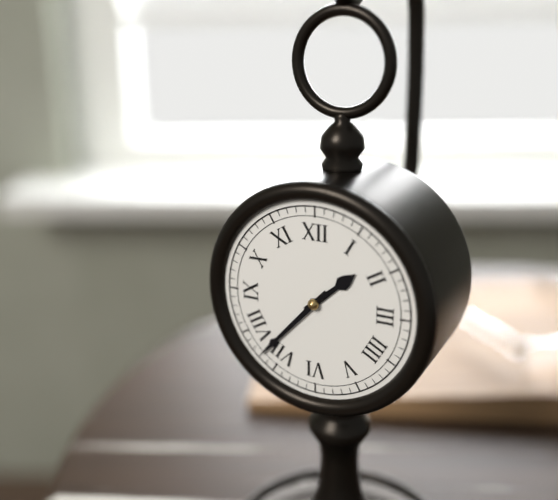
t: 1:37
